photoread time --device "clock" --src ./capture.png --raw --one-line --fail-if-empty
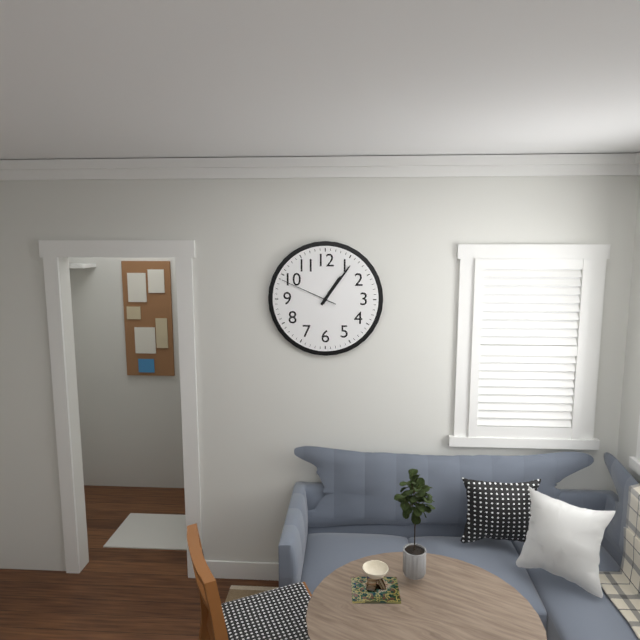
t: 1:06:49
